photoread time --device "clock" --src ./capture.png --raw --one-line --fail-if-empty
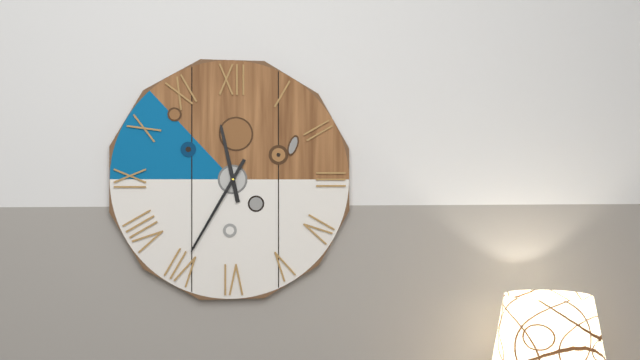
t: 11:35
